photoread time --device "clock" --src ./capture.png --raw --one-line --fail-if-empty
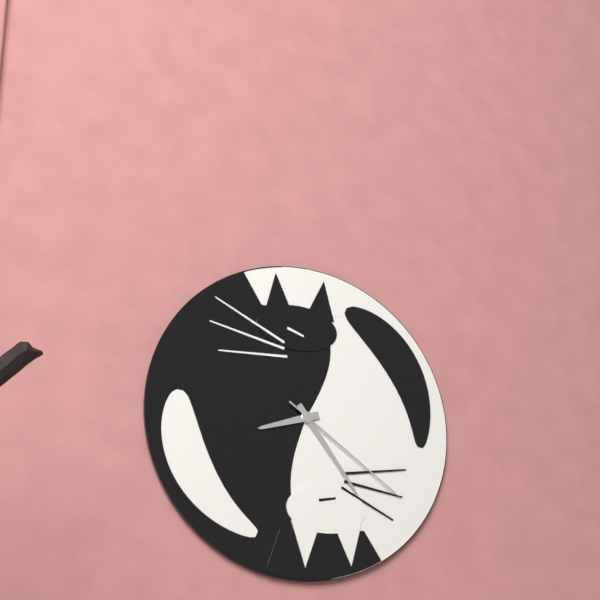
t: 8:24:21
